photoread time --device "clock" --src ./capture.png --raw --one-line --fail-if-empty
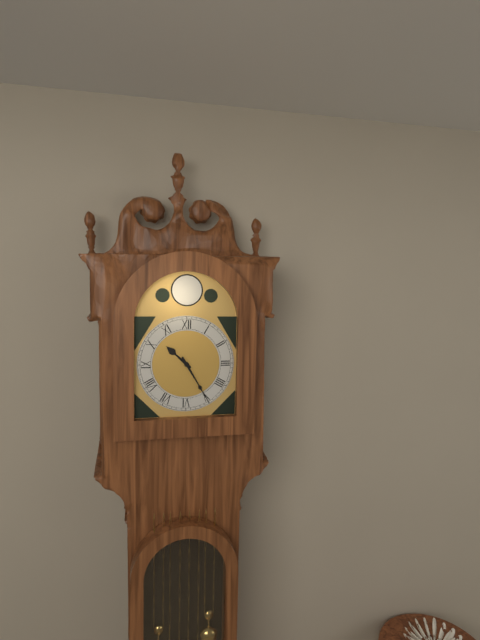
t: 10:25
